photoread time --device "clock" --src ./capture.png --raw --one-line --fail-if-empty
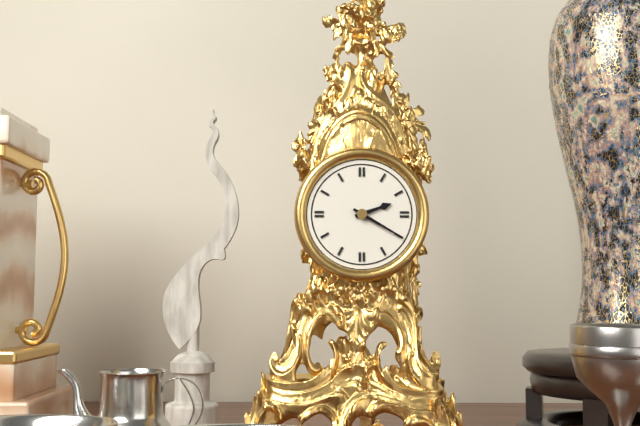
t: 2:20
